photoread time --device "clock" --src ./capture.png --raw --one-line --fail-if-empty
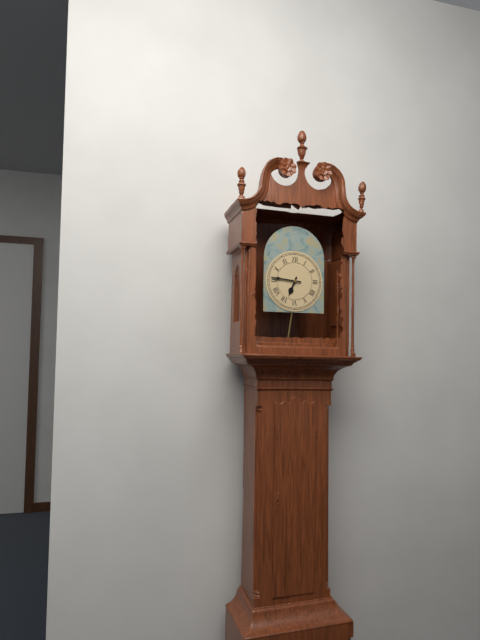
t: 6:46
